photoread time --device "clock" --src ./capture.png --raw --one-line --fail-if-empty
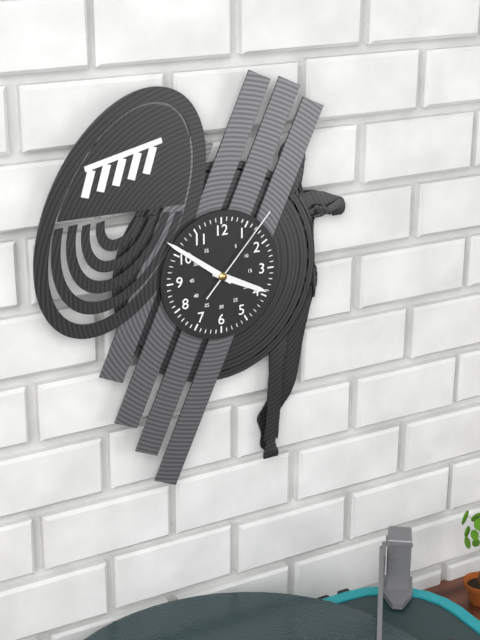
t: 3:51:07
